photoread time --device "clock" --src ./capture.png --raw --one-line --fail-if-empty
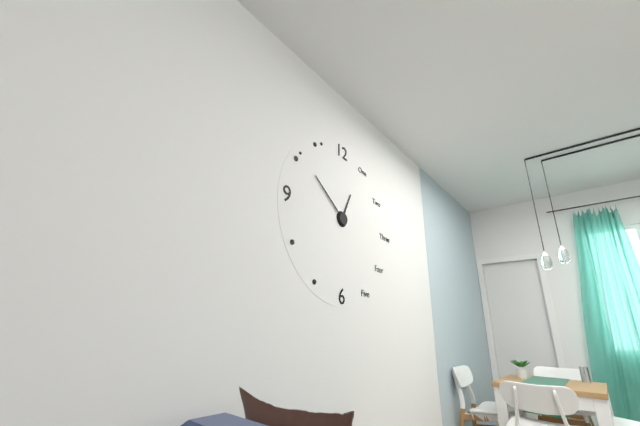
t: 12:51
